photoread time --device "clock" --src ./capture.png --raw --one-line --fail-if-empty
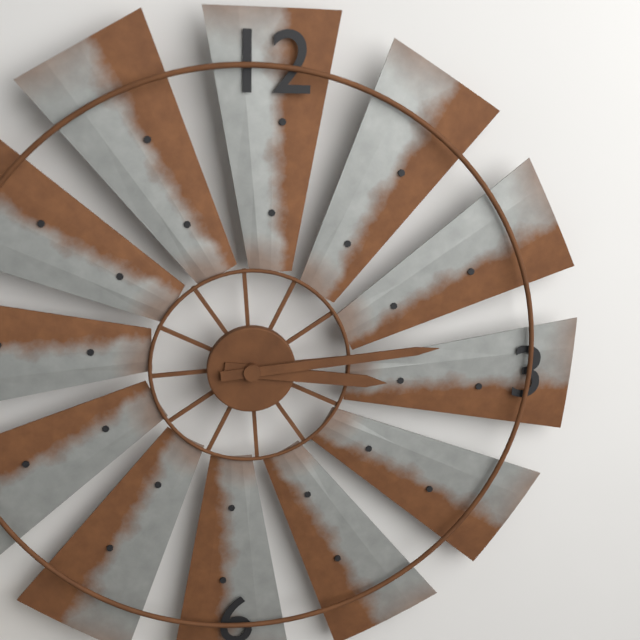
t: 3:14
